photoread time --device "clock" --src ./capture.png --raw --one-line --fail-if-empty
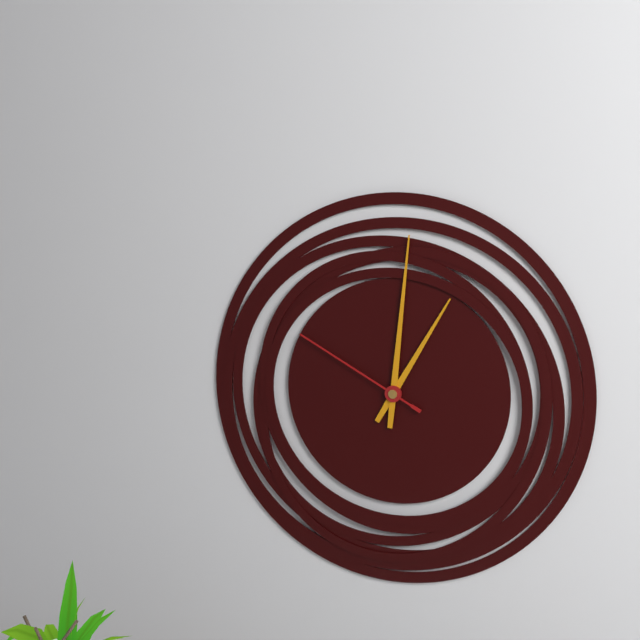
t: 1:01:50
